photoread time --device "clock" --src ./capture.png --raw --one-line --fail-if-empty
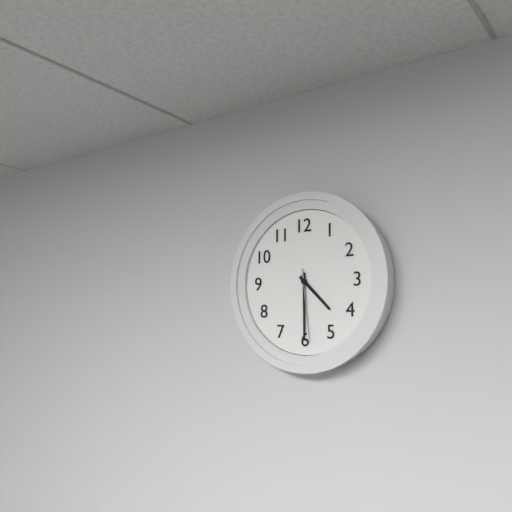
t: 4:30:29
